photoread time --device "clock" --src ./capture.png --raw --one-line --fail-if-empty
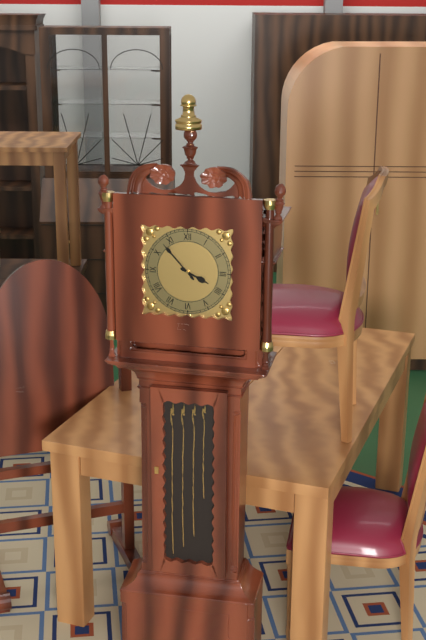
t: 3:53
